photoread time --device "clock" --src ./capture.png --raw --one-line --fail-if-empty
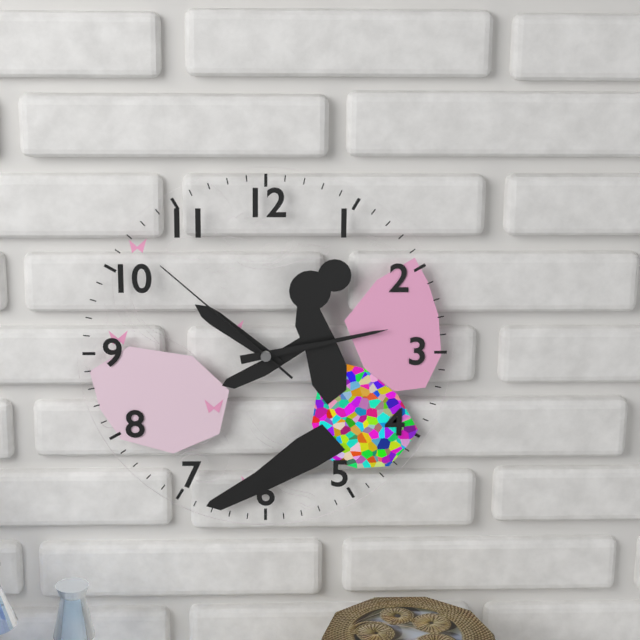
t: 10:13:52
